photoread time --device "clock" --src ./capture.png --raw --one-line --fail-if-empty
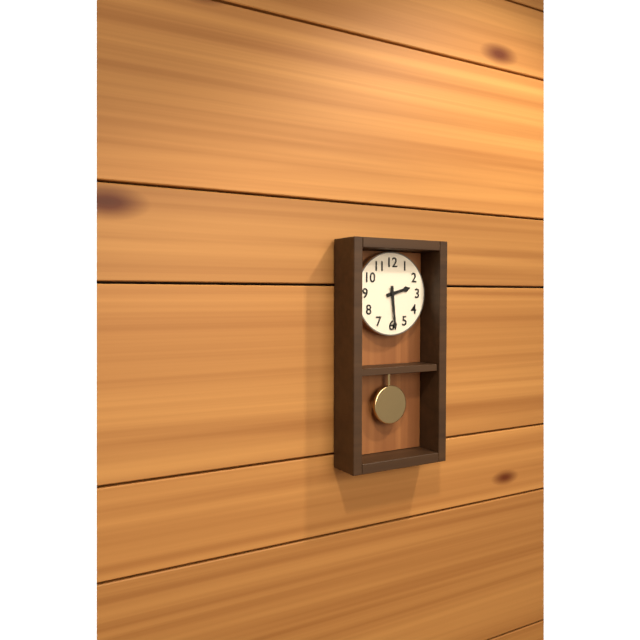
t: 2:29
